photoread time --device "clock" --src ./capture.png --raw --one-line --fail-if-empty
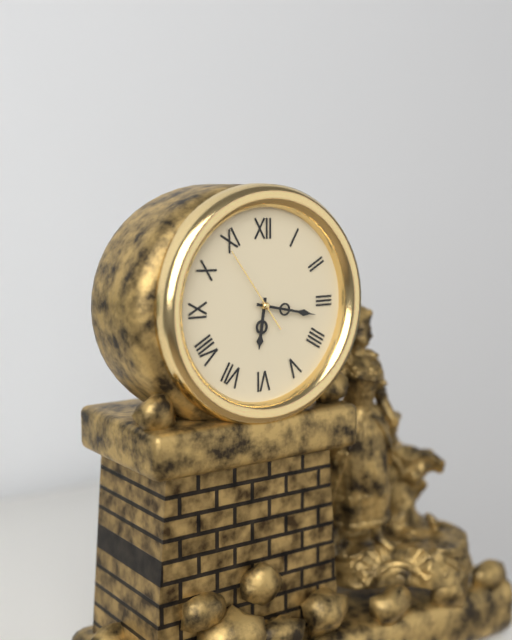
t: 6:17:54
